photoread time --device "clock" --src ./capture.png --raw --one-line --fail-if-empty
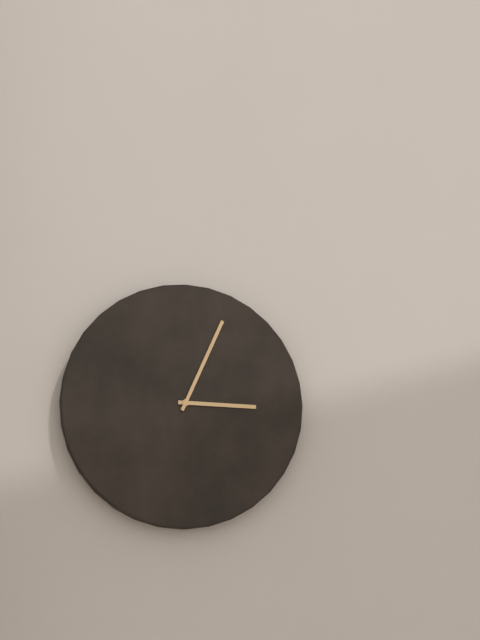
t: 3:04
